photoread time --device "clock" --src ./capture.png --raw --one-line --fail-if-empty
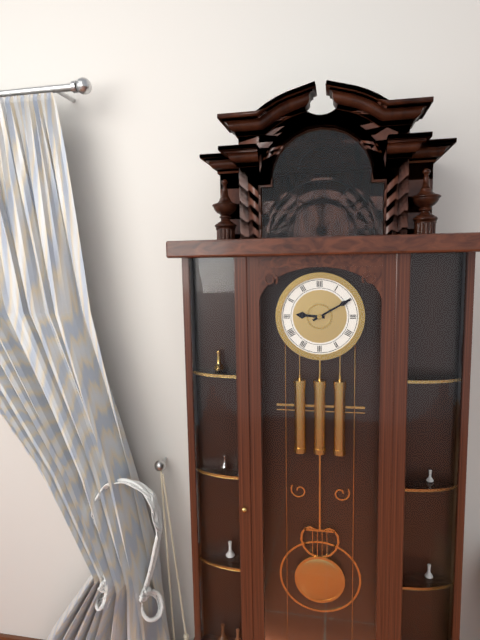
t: 9:10
